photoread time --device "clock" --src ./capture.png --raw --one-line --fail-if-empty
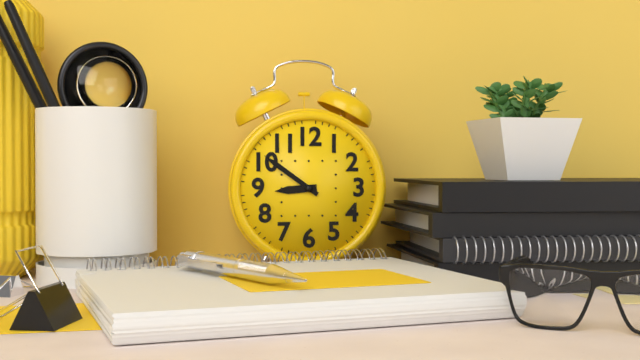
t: 8:51
